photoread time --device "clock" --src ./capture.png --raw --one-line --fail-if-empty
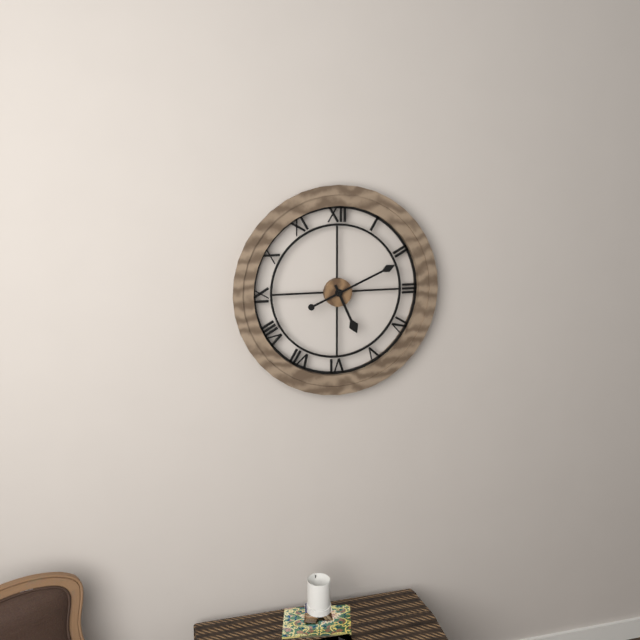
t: 5:11
